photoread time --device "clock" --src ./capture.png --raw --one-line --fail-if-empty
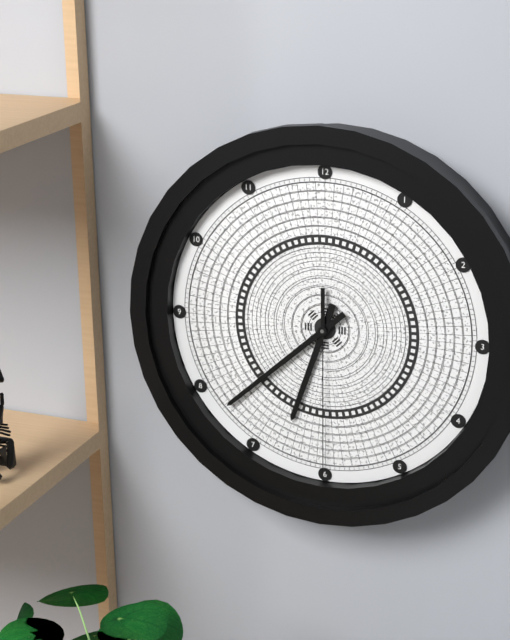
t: 6:38:30
